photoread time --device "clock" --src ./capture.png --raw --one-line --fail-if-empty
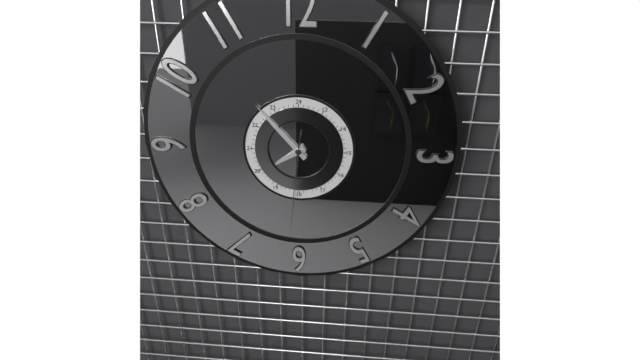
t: 7:53:31
